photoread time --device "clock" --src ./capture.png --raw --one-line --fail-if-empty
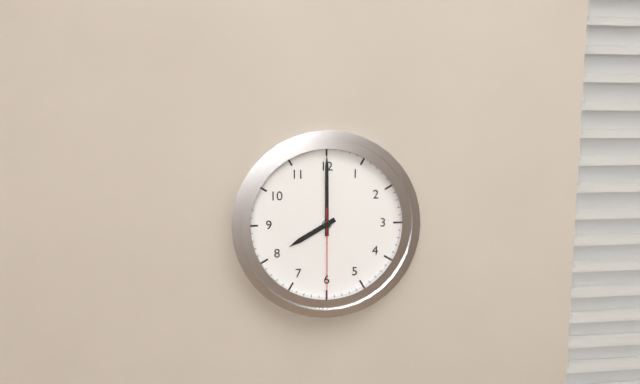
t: 8:00:30
